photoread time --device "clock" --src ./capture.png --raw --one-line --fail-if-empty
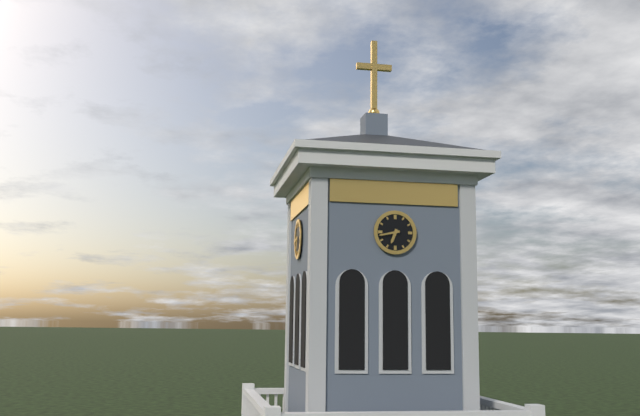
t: 6:43
